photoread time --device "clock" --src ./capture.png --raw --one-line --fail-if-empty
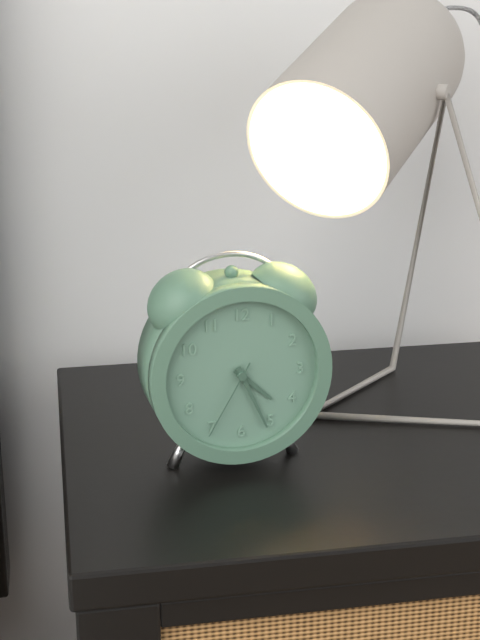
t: 4:26:35
